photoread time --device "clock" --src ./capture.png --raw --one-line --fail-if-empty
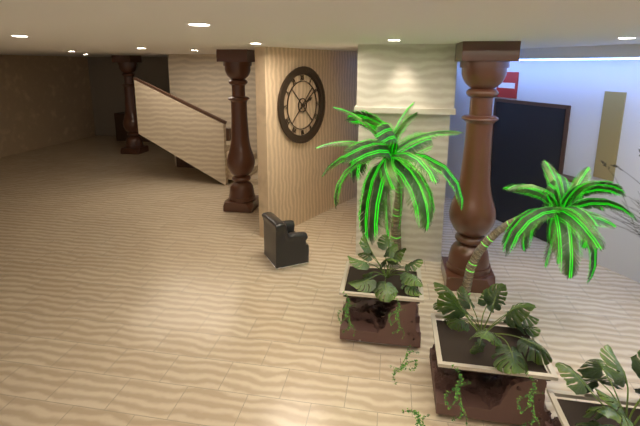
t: 2:09
